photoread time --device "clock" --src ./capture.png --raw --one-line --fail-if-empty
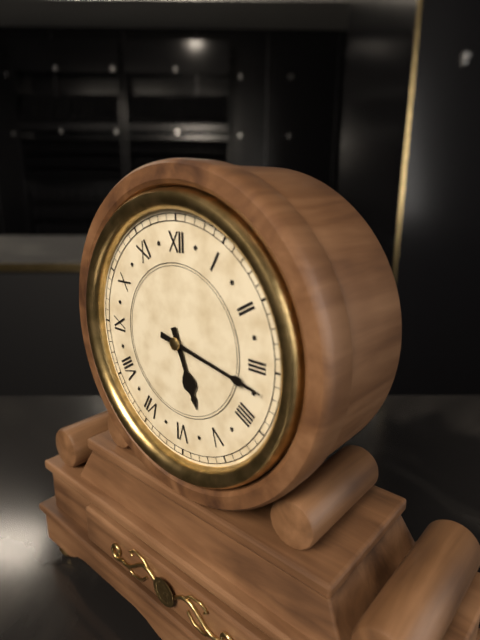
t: 5:17
